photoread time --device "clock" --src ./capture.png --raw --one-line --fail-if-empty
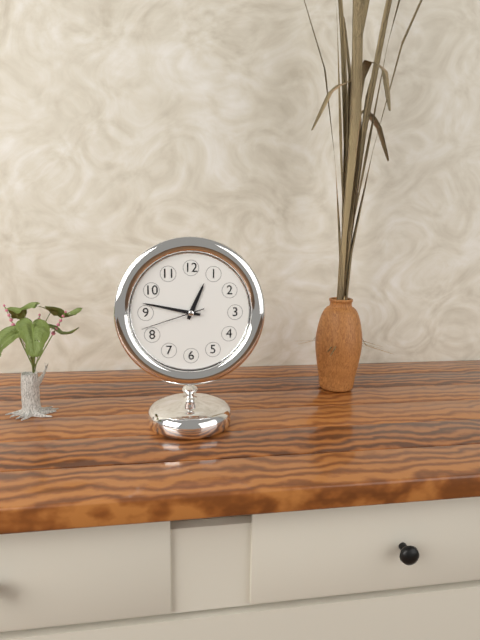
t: 12:47:42
